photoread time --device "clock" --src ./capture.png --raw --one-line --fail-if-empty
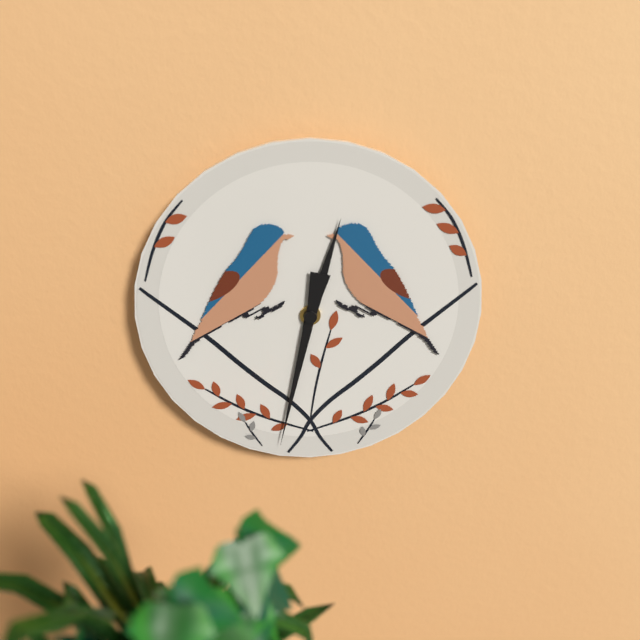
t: 12:32
